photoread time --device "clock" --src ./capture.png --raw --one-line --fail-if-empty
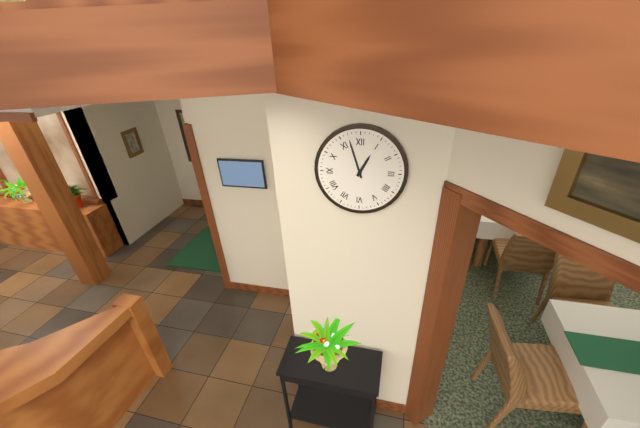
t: 12:57
